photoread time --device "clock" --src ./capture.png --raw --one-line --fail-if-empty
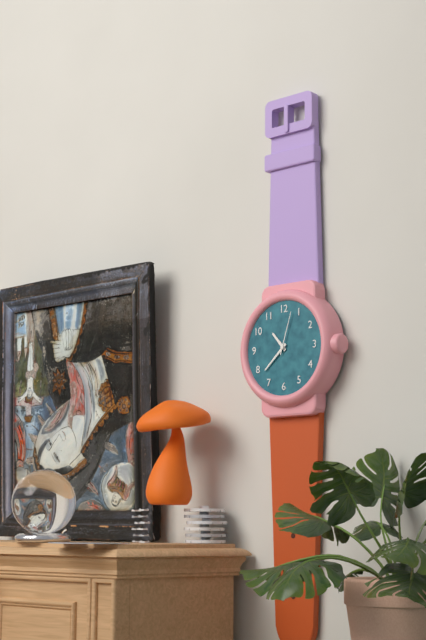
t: 10:38
